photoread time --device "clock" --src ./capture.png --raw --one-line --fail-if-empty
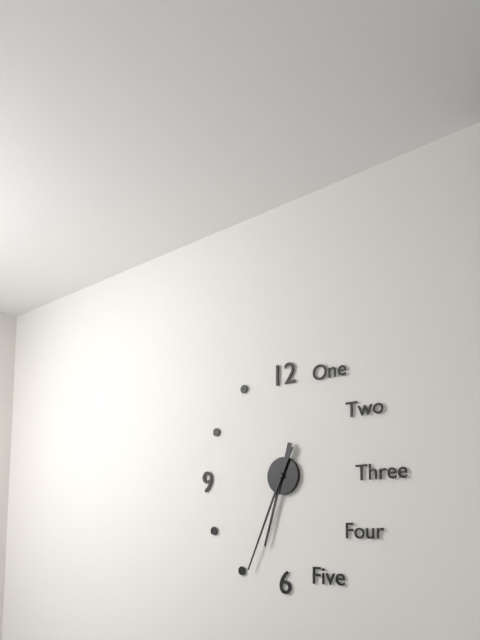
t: 6:34
